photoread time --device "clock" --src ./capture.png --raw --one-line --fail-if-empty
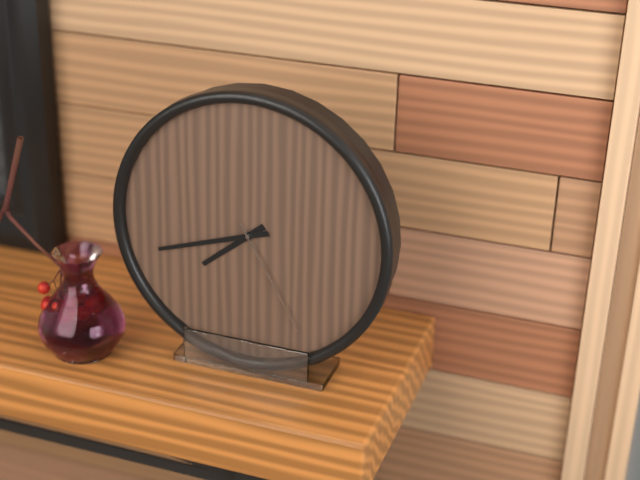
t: 7:42:25
